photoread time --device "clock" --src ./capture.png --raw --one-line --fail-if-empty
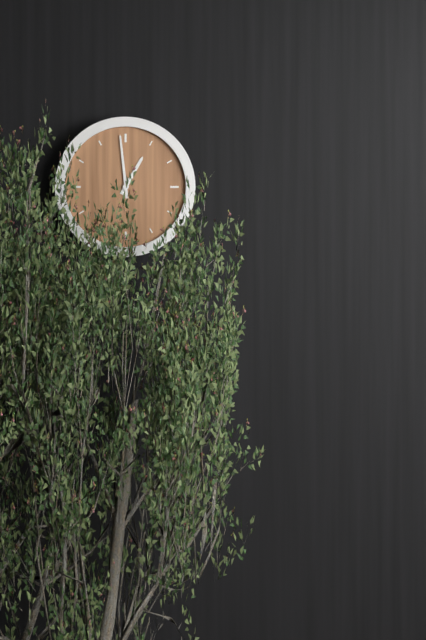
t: 12:59
